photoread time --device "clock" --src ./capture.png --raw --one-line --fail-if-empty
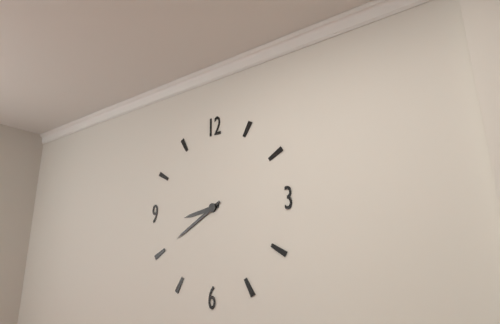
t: 8:40
